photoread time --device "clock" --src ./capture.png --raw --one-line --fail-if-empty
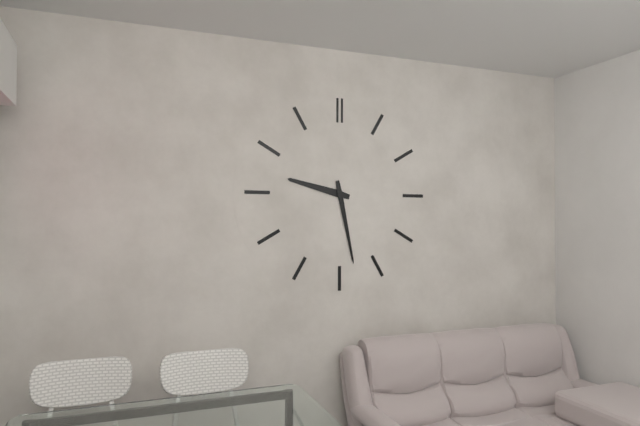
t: 9:28
